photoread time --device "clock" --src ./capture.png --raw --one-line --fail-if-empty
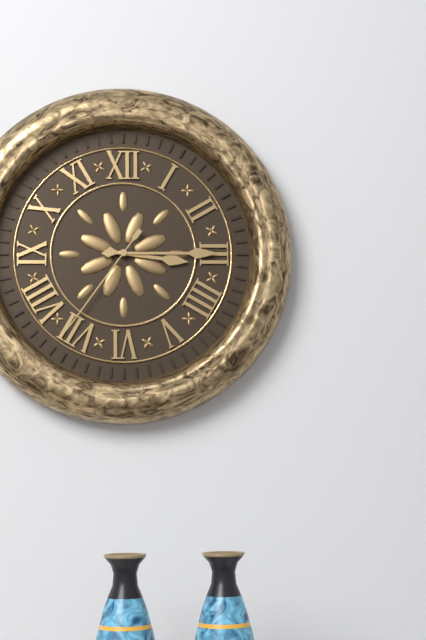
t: 3:15:36
